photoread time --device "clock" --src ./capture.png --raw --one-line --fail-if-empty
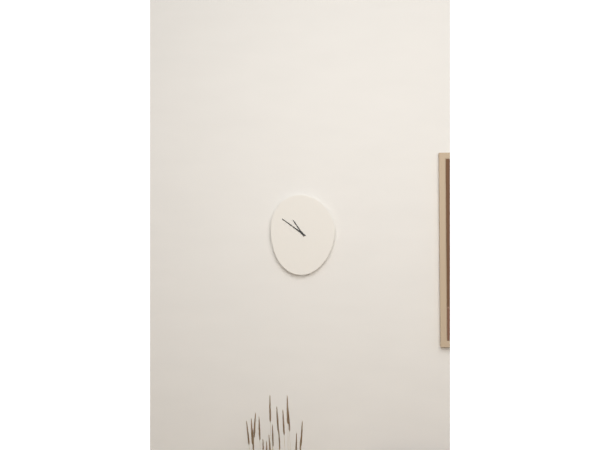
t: 10:51
